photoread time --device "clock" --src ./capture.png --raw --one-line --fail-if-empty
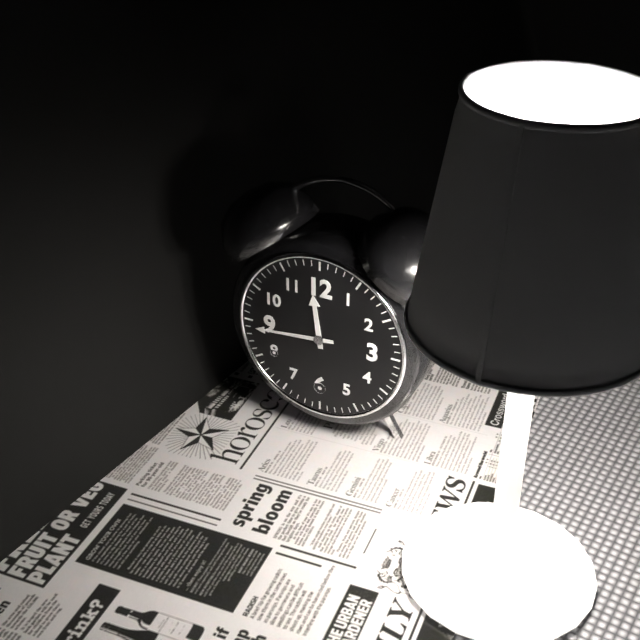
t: 11:44
